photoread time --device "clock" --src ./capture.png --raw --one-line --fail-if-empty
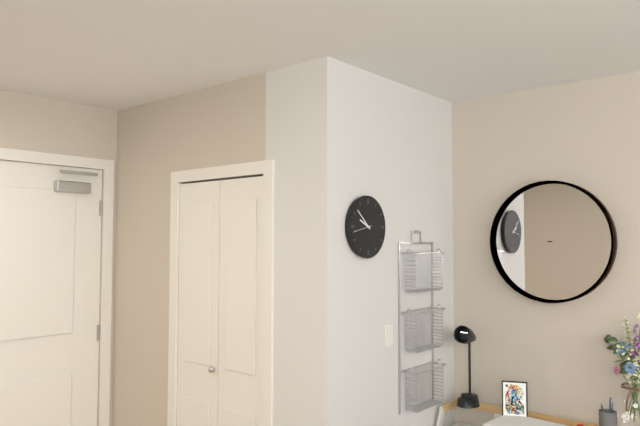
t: 9:52
